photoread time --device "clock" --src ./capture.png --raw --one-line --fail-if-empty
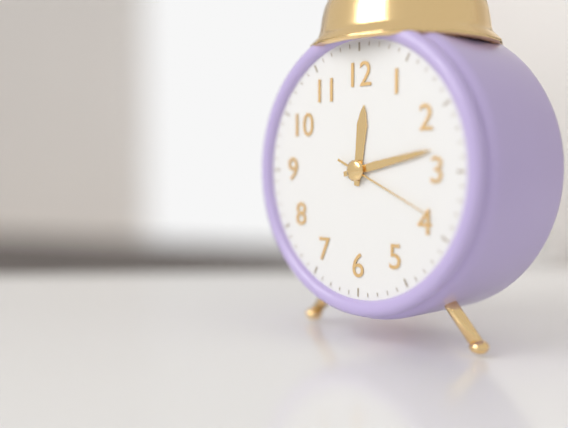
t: 12:13:19
